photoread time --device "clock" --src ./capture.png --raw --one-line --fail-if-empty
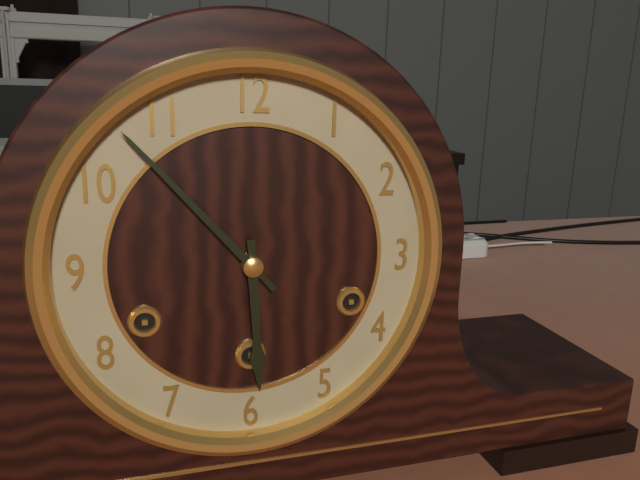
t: 5:53
